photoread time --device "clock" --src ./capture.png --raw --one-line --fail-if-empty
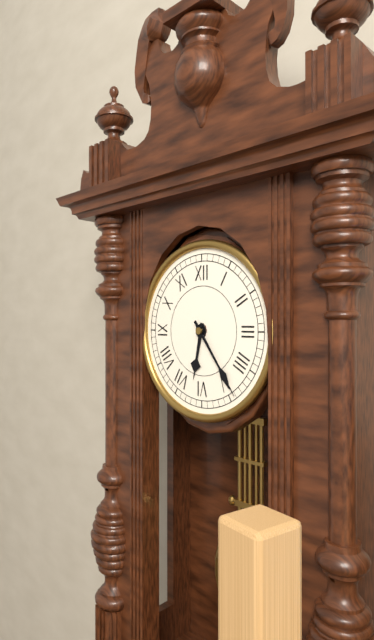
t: 6:24
